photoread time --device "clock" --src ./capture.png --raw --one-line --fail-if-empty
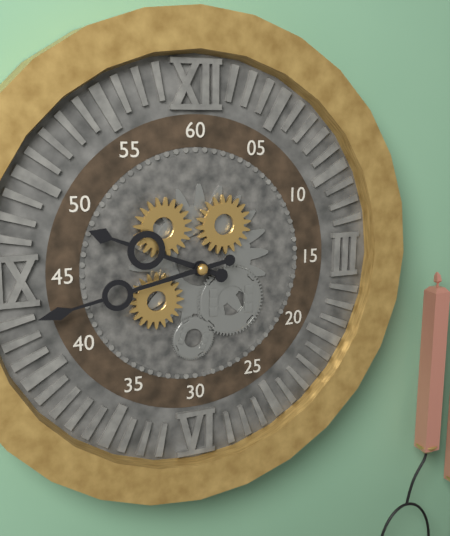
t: 9:43
